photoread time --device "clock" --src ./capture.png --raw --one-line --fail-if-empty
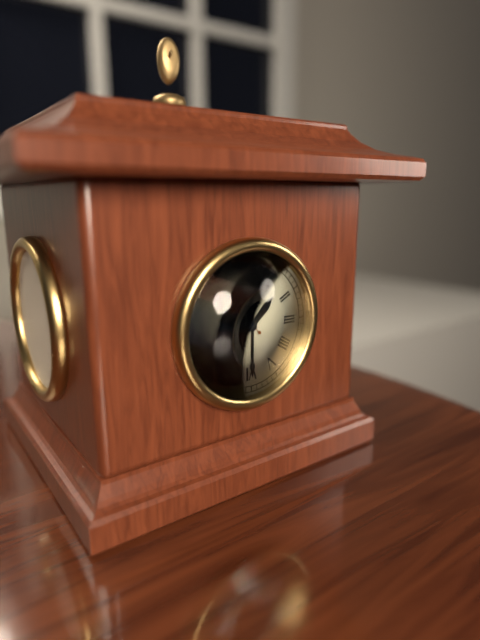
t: 1:30
